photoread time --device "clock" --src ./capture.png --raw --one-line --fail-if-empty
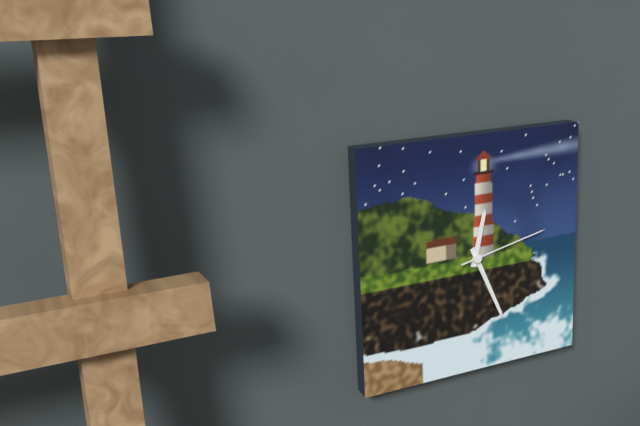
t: 12:26:13
